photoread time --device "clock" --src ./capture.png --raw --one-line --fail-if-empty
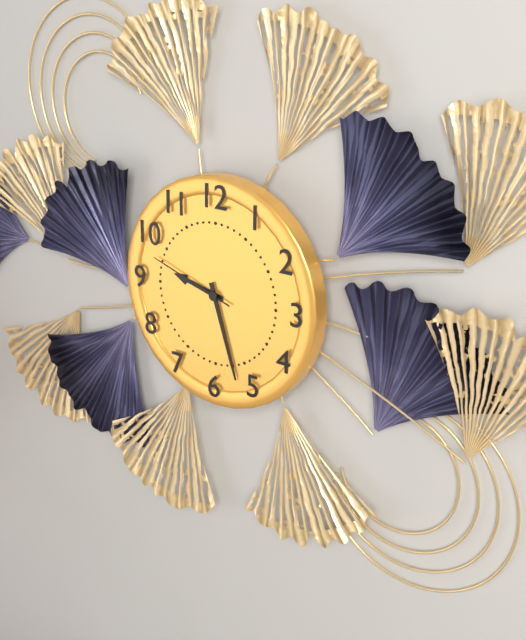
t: 9:27:48
